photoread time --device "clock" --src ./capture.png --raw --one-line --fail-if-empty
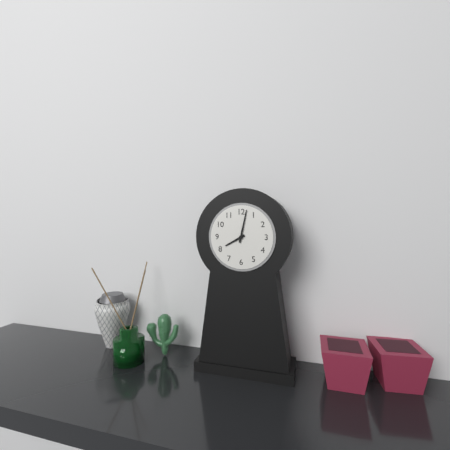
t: 8:02
